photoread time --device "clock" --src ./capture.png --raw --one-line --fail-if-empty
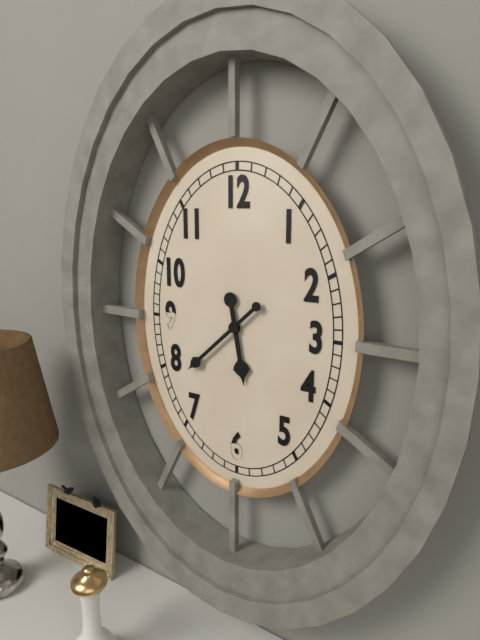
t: 5:38
